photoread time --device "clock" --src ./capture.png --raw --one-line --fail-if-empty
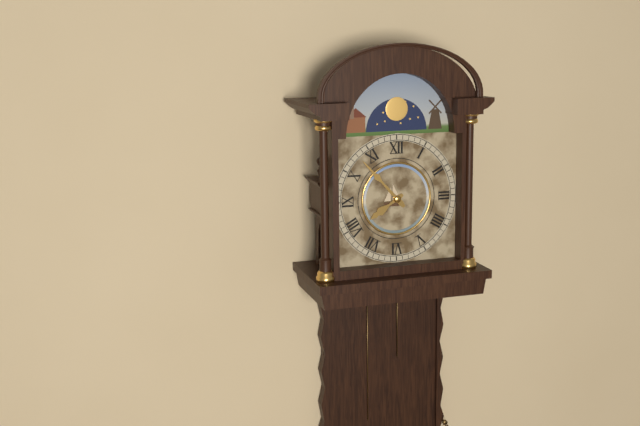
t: 7:53
